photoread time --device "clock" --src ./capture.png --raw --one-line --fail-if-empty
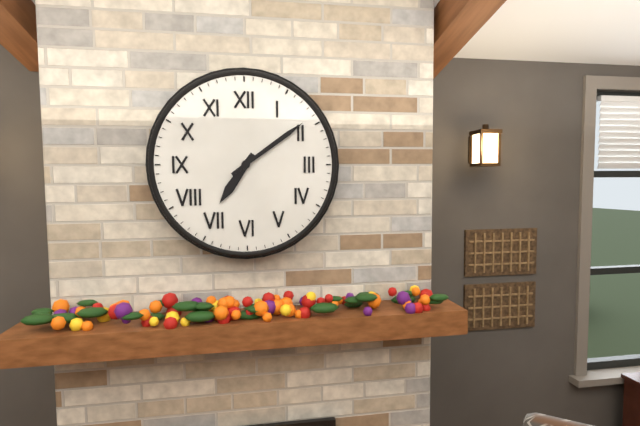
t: 7:09
